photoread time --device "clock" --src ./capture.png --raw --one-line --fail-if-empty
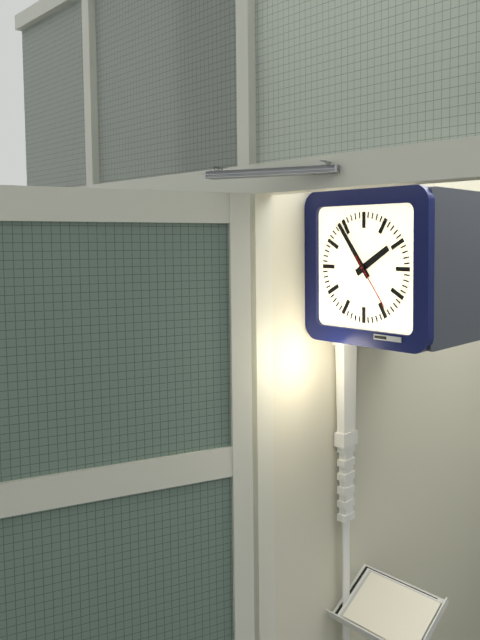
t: 1:54:24
